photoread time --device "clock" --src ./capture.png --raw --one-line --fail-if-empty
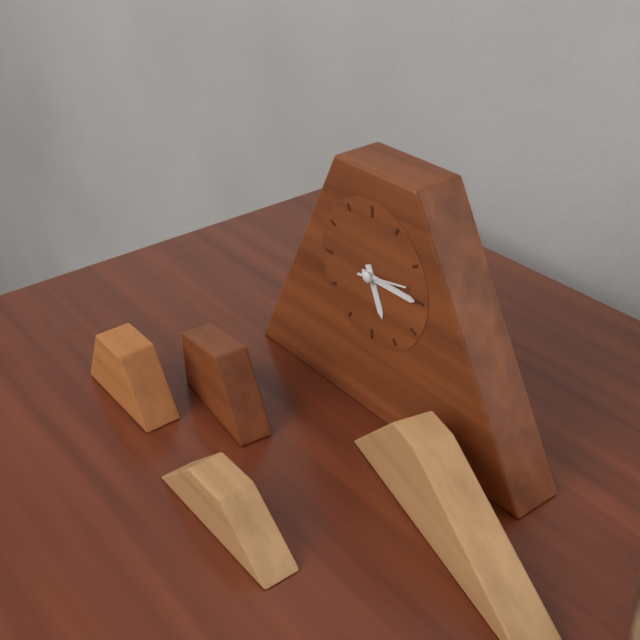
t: 5:15
